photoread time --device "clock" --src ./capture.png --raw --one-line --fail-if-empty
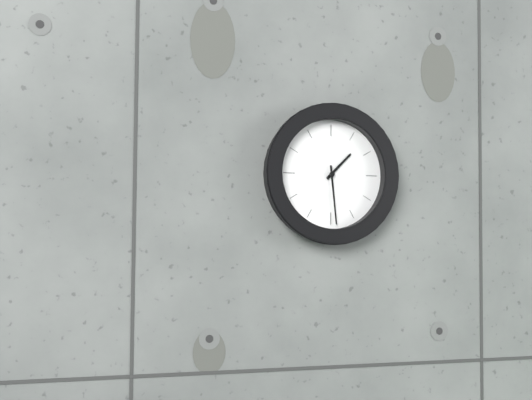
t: 1:29
